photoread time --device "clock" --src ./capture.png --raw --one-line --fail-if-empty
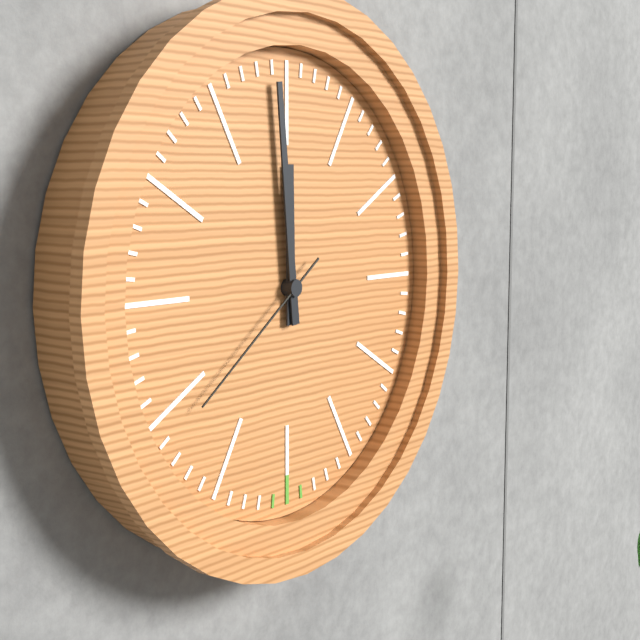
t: 11:59:39
